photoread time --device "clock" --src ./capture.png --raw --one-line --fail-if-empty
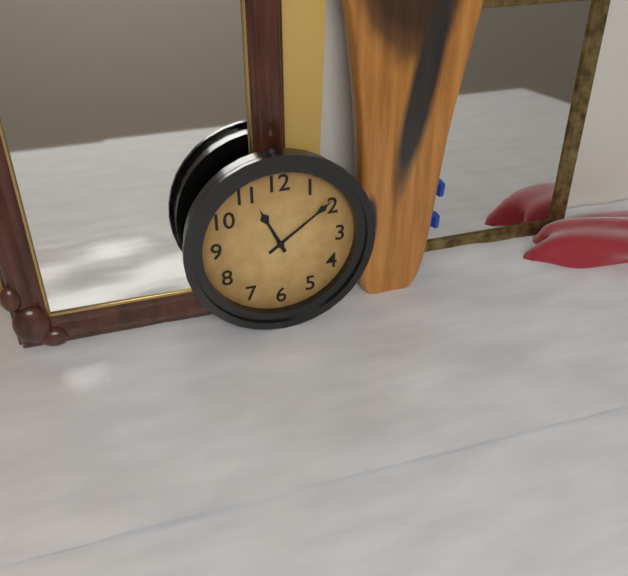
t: 11:09
